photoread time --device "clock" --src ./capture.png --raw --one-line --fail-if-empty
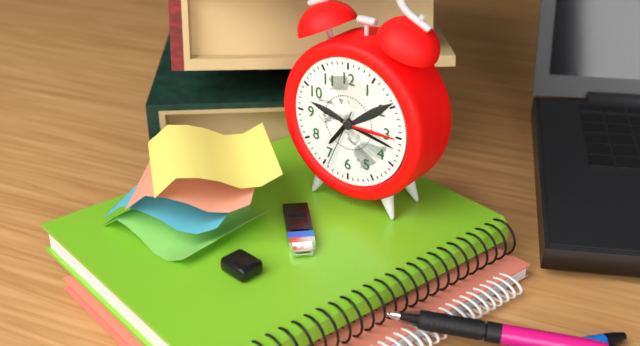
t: 7:17:34
